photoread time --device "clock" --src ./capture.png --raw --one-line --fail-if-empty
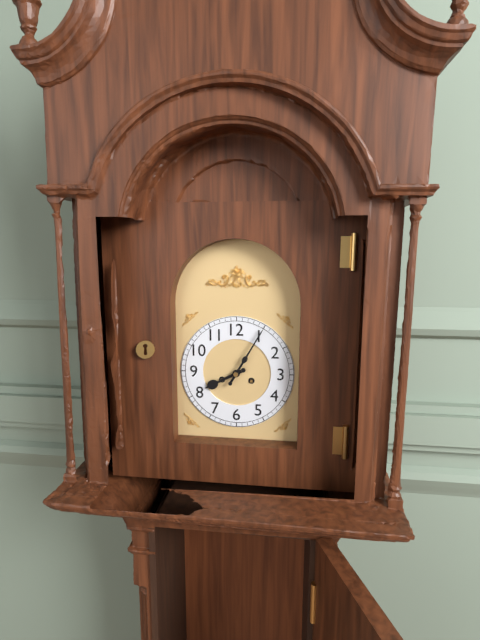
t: 8:05
